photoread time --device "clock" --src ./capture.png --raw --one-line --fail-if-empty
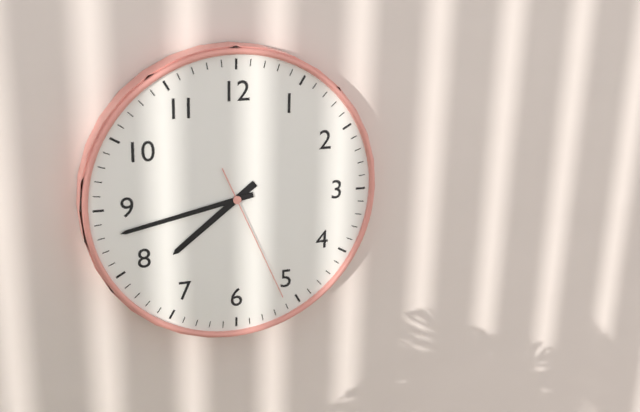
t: 7:43:26
